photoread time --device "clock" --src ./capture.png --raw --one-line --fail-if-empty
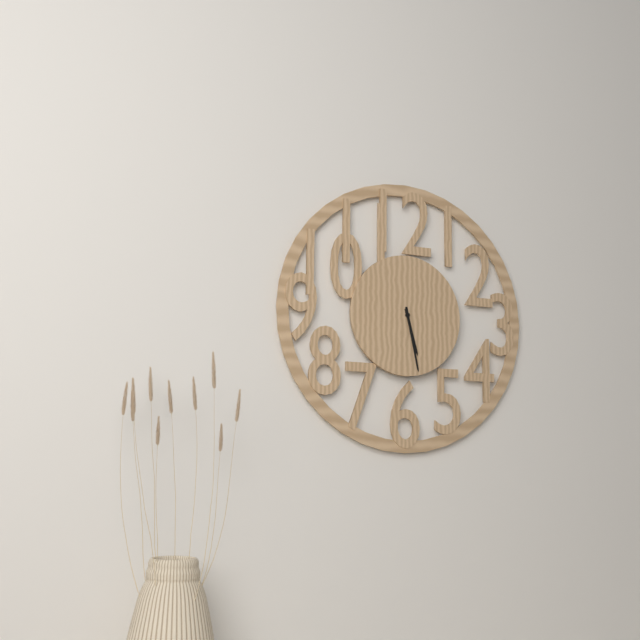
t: 5:28
